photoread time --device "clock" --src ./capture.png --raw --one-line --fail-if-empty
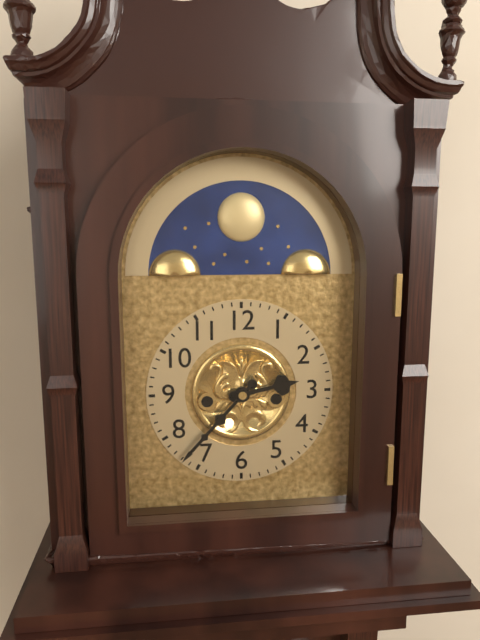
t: 2:37
